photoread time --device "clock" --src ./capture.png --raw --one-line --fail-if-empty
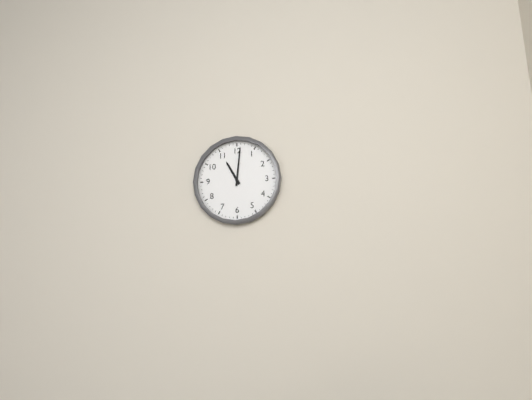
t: 11:01
